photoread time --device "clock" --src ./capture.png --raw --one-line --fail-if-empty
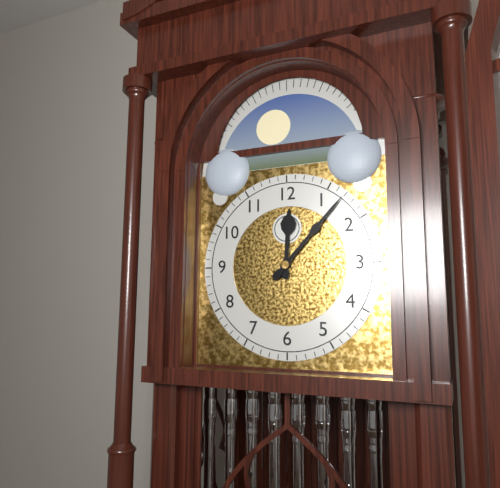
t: 12:07
